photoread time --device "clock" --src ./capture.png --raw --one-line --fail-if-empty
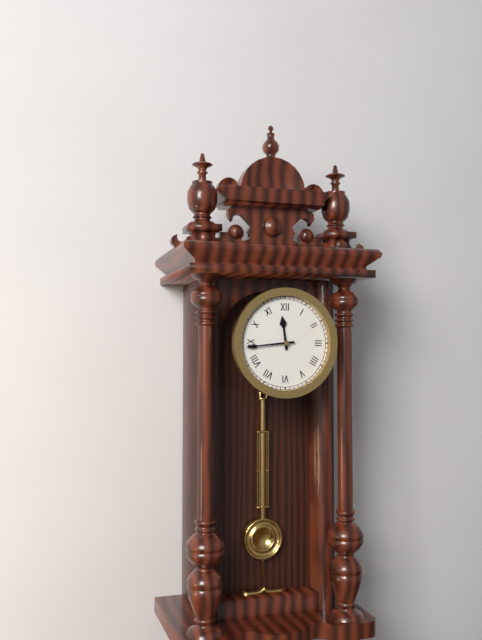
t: 11:44
